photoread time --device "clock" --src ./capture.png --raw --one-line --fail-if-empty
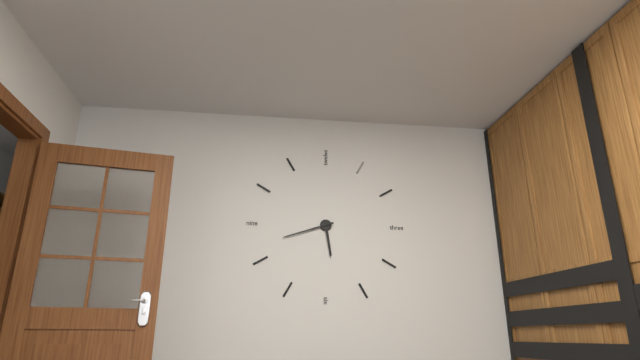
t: 5:42
